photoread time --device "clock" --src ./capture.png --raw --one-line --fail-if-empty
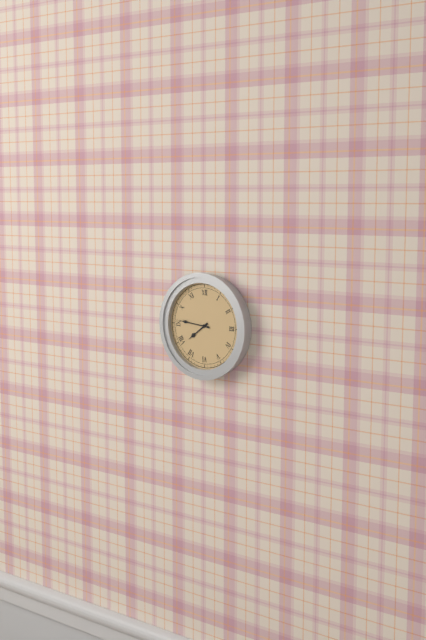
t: 7:46
